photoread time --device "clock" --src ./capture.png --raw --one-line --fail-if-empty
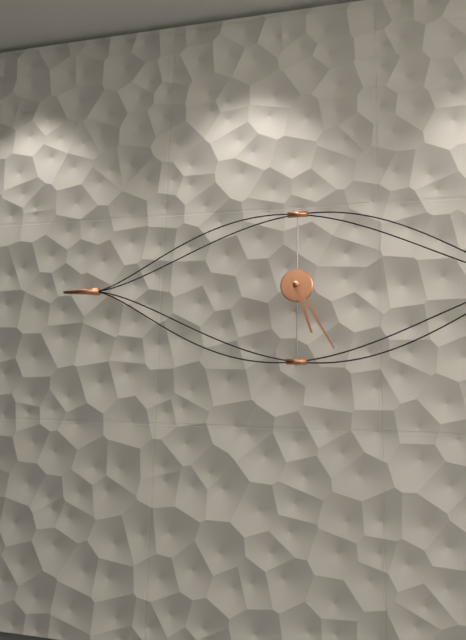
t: 5:25
